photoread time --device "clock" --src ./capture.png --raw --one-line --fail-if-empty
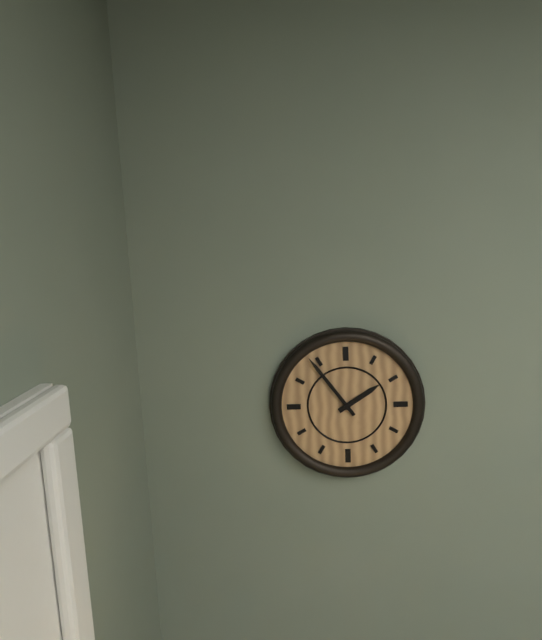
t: 1:54
